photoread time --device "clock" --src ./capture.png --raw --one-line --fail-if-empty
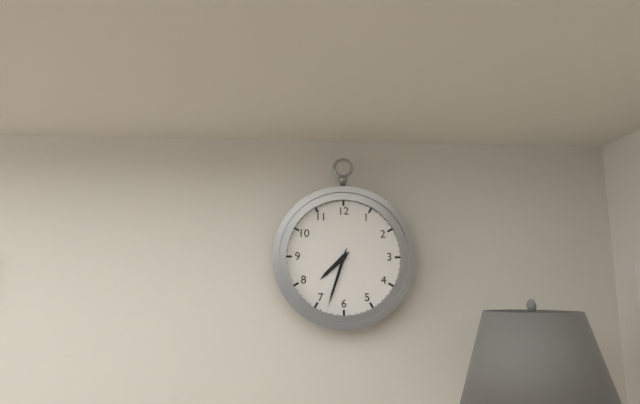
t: 7:33
